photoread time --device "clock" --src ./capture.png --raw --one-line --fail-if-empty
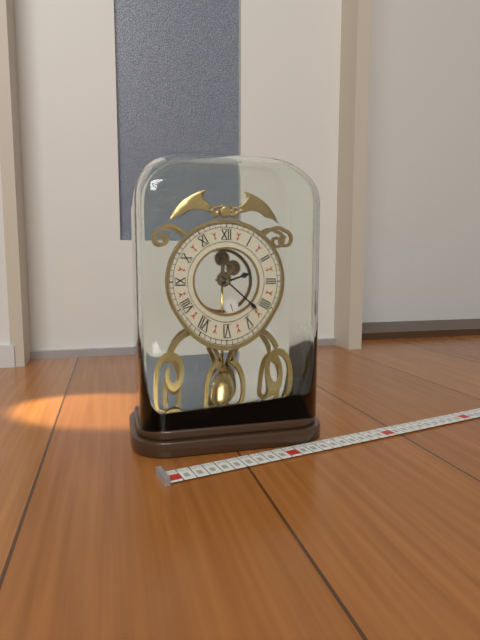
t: 2:22
